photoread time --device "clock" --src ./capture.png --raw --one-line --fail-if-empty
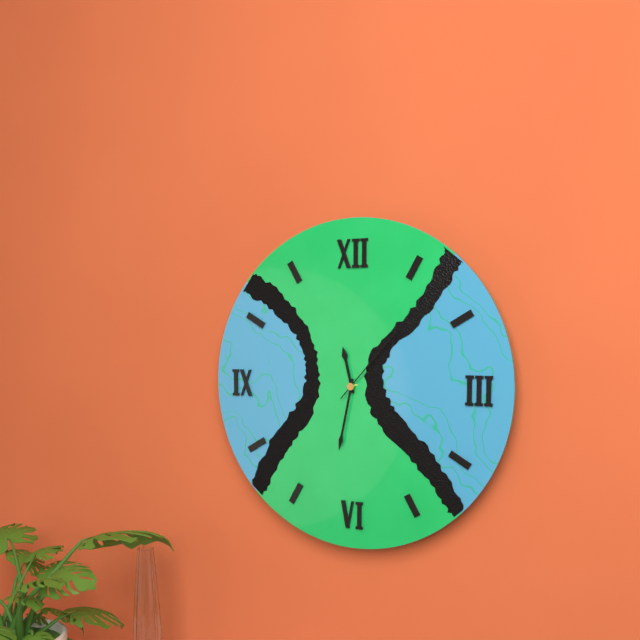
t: 11:32:07
